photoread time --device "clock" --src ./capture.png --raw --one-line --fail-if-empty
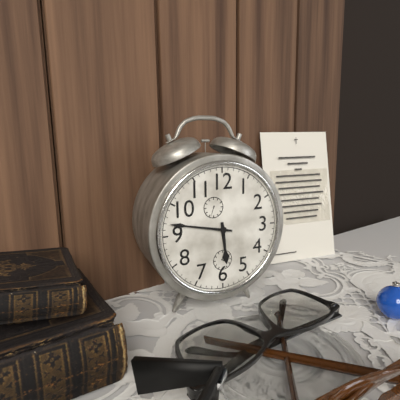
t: 5:47
